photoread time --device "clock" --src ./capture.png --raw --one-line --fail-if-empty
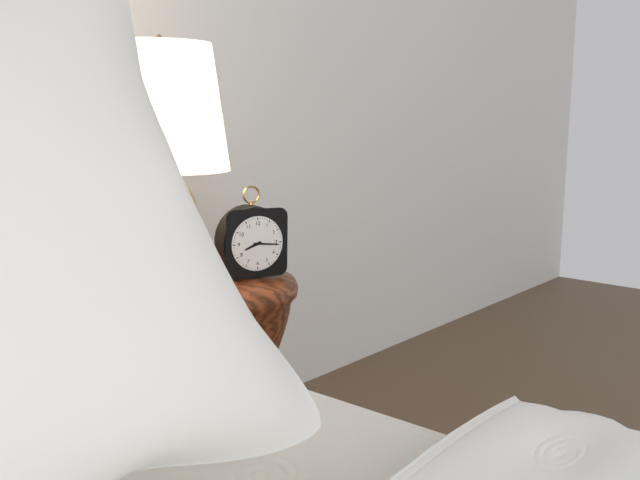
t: 8:16
